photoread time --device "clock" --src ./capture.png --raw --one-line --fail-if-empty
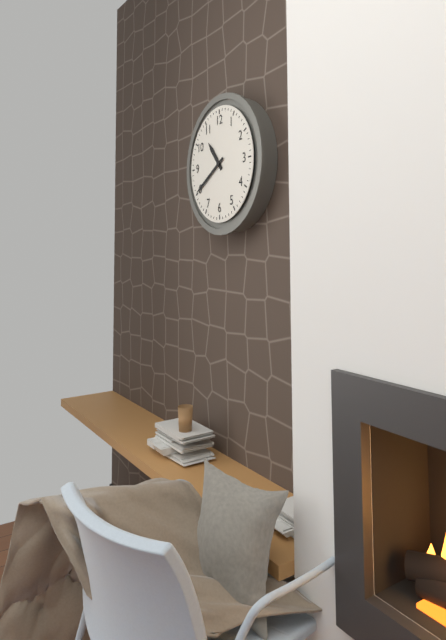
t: 10:40
